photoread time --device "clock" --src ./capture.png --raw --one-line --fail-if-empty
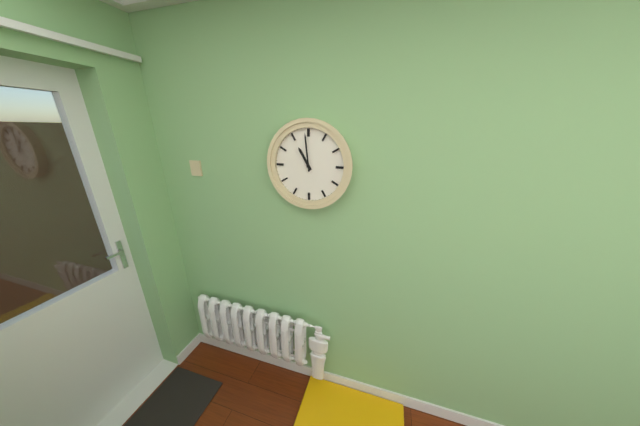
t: 10:59
